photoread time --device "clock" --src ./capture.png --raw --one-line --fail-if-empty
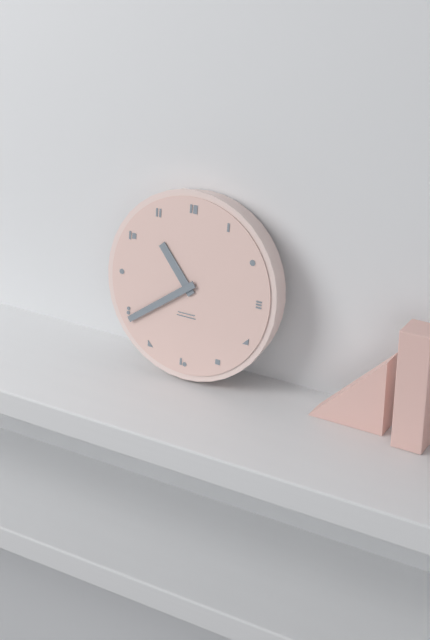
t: 10:39
